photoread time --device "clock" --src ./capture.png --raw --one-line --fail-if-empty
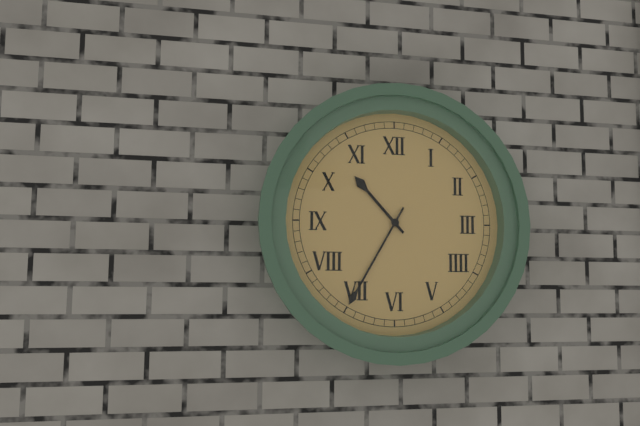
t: 10:35
